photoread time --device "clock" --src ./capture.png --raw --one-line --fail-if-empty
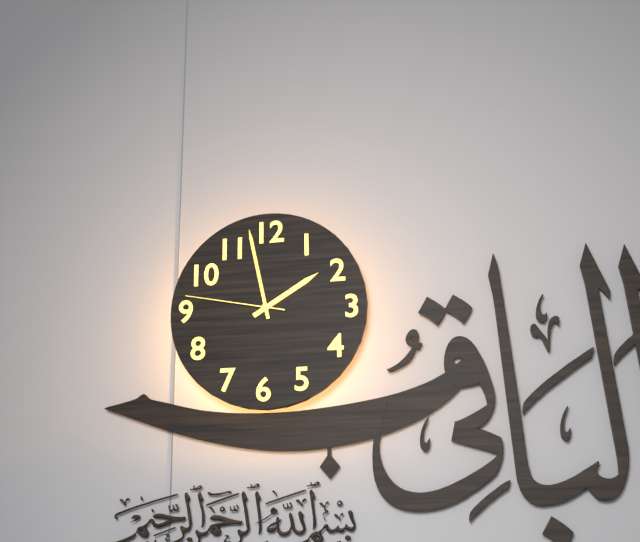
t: 1:58:47
